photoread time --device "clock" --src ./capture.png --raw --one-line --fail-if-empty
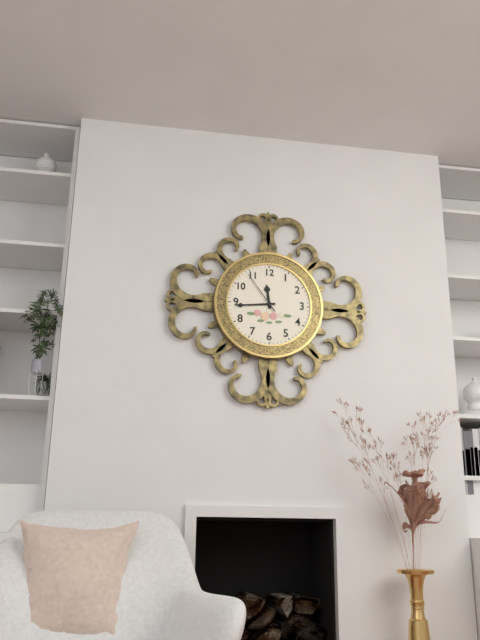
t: 11:44
